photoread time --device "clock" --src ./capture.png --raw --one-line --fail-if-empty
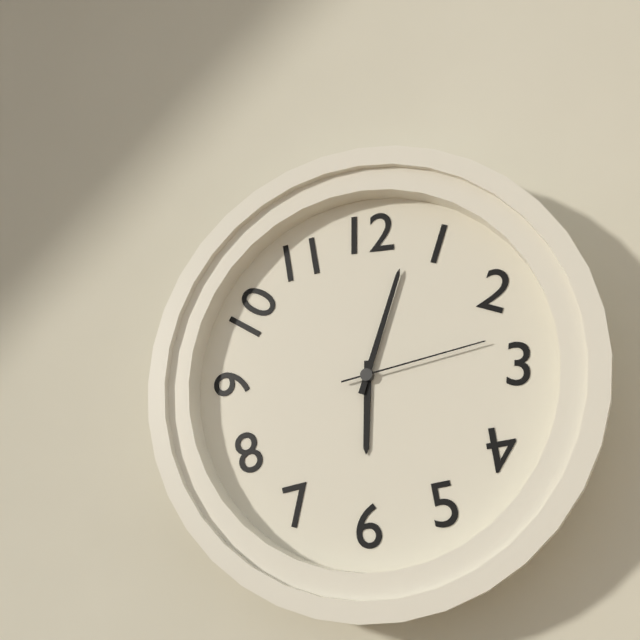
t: 6:03:13
